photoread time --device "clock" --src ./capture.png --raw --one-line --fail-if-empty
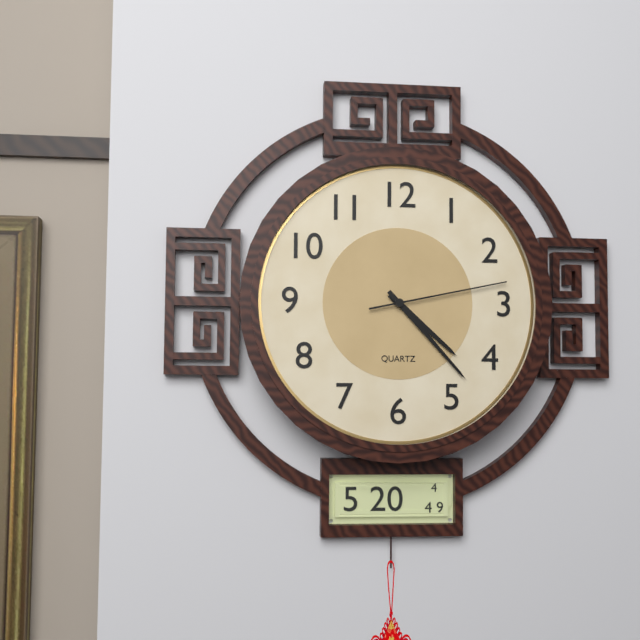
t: 4:23:13
